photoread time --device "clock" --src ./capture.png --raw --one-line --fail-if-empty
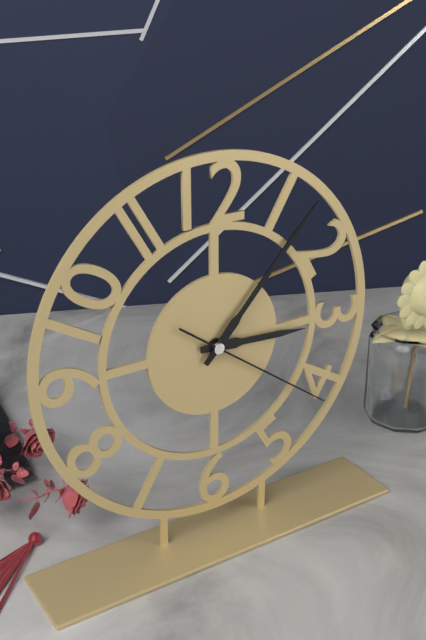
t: 3:07:21
